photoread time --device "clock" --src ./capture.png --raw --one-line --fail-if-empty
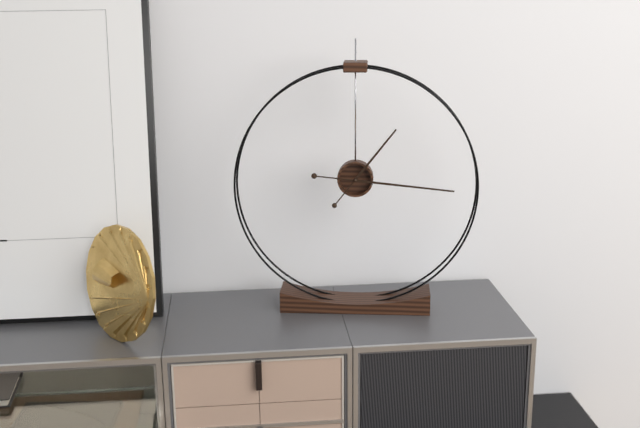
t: 1:16
